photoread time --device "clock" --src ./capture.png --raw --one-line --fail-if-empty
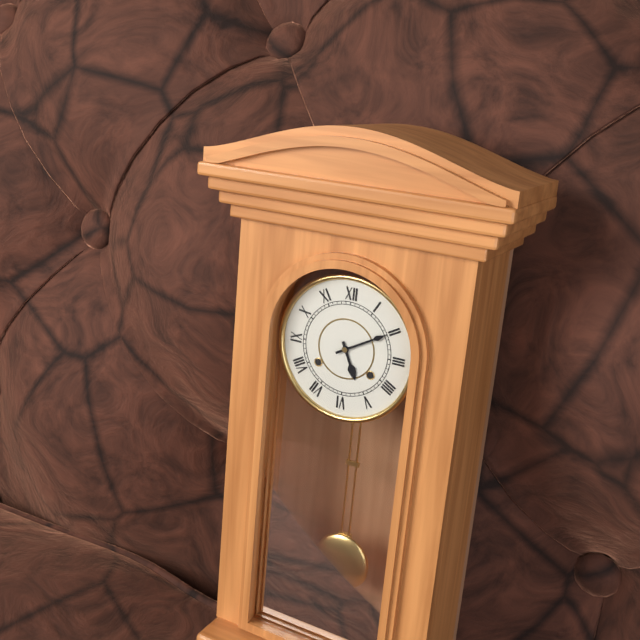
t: 5:10
